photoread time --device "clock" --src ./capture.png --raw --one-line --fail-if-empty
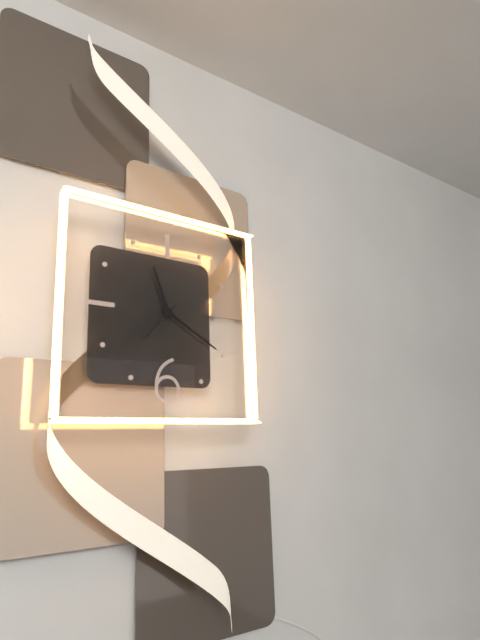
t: 11:20
